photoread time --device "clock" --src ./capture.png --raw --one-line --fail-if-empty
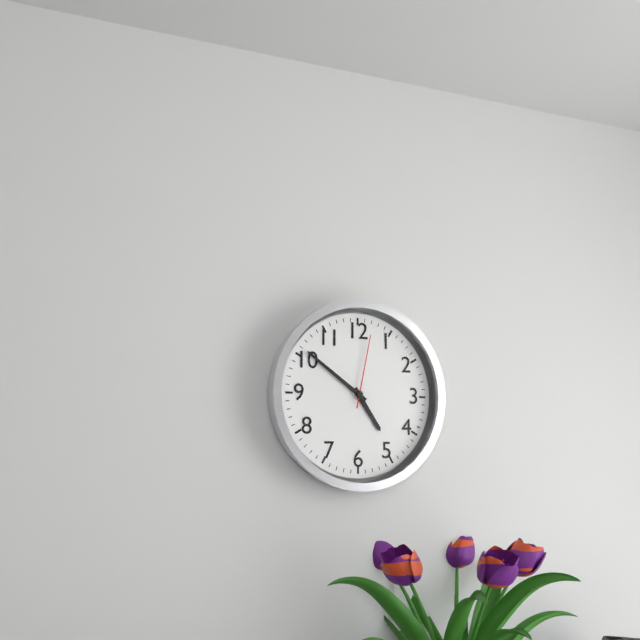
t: 4:51:02
